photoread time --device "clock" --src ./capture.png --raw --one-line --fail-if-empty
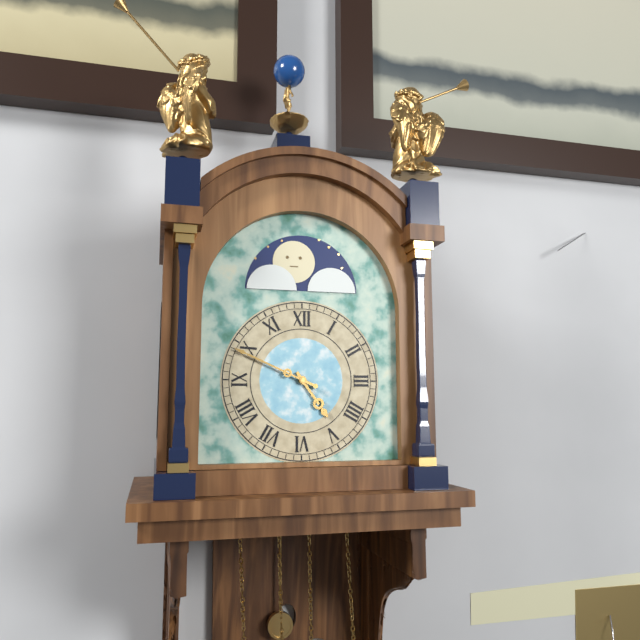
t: 4:49
